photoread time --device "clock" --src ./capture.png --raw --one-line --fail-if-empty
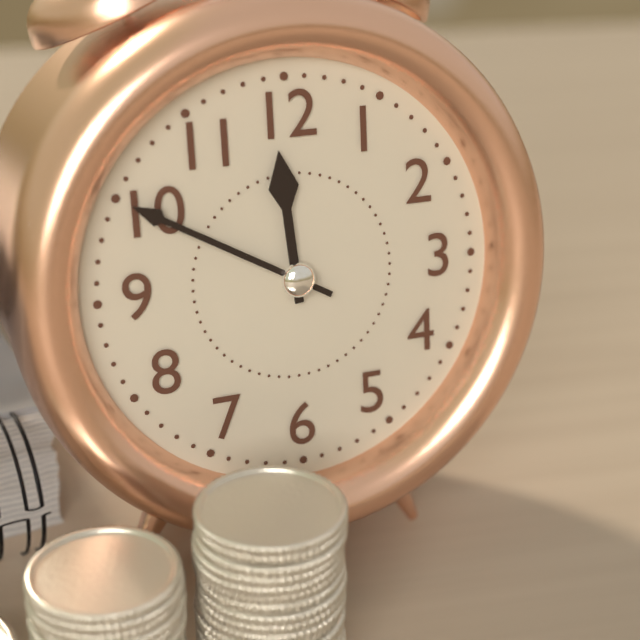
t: 11:50
